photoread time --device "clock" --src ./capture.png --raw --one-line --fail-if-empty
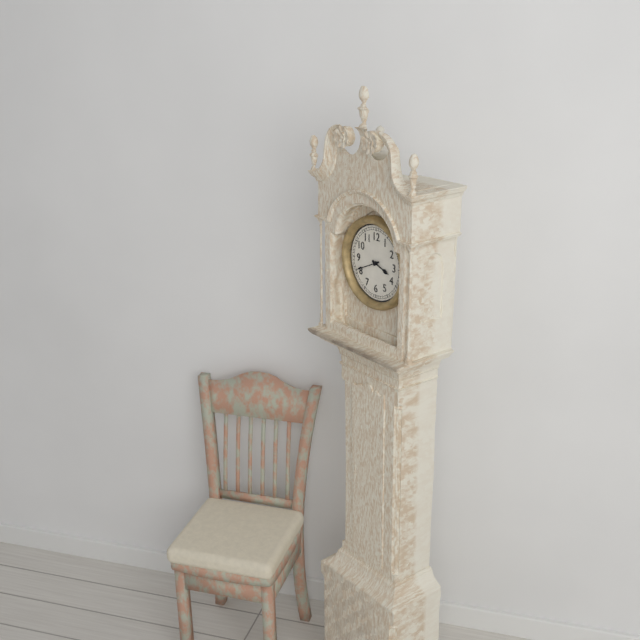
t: 3:41
